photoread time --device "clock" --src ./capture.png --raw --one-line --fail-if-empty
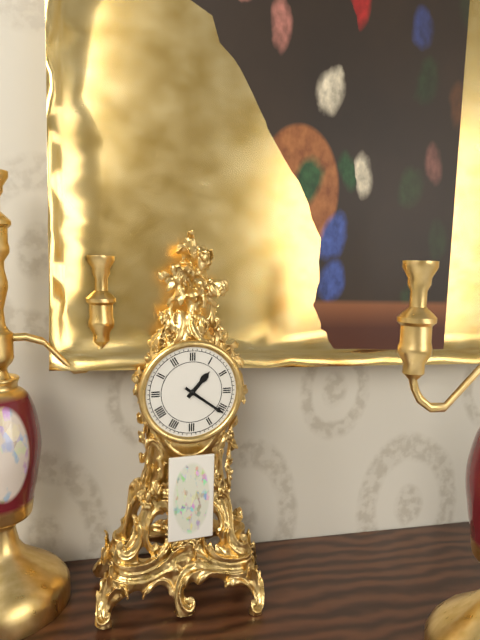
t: 1:21
